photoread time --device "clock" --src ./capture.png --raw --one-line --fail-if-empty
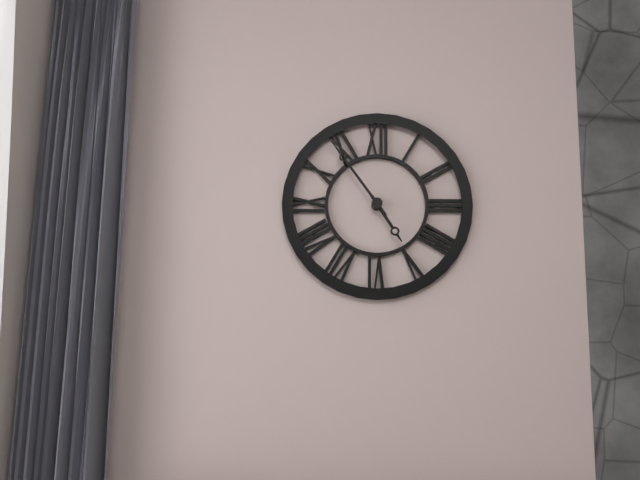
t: 4:54
